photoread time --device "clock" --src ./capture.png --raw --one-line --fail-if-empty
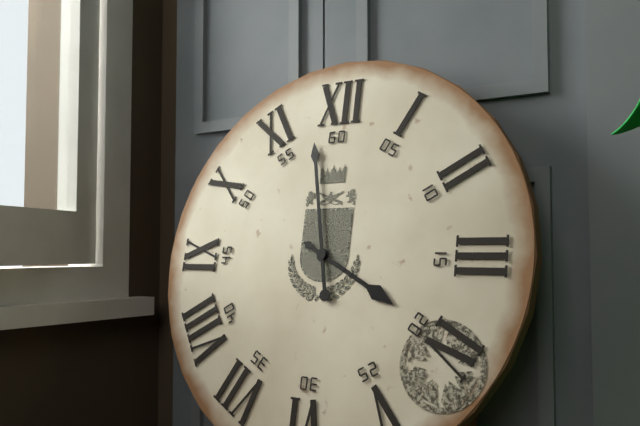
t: 3:58
